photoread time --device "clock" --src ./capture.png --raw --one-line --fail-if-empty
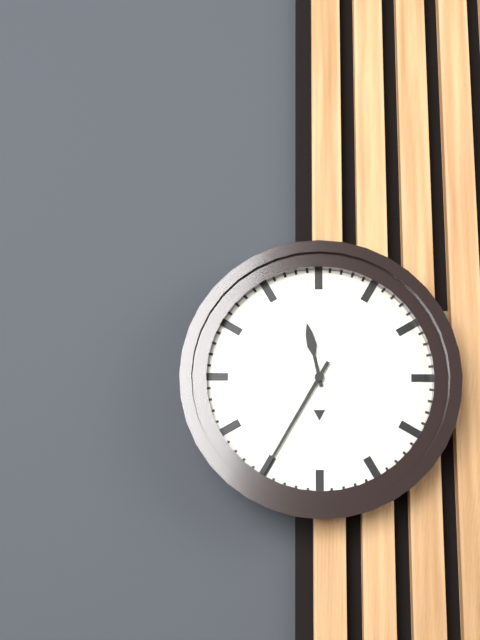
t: 11:35
